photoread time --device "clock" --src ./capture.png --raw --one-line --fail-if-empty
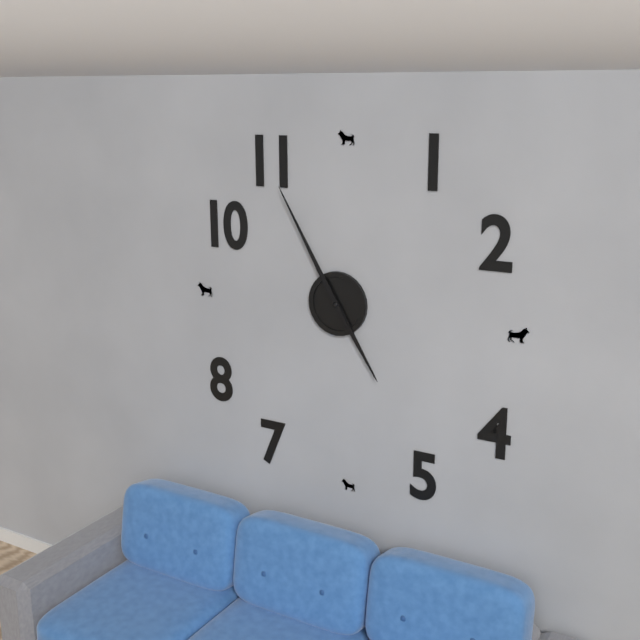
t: 4:55
